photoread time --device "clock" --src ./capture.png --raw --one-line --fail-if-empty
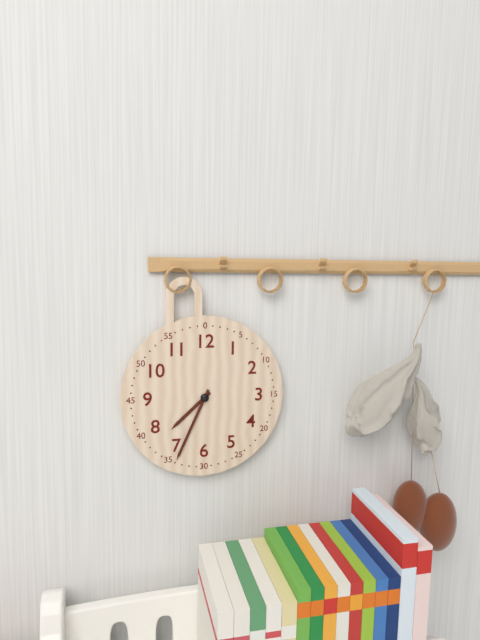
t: 7:34
